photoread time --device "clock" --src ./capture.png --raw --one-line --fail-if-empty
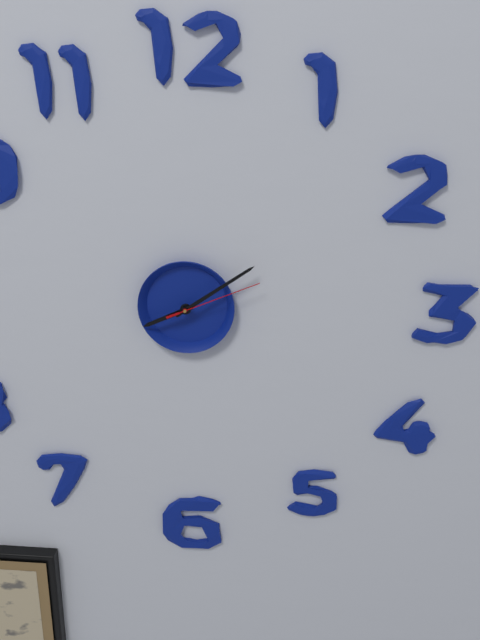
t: 8:09:11
